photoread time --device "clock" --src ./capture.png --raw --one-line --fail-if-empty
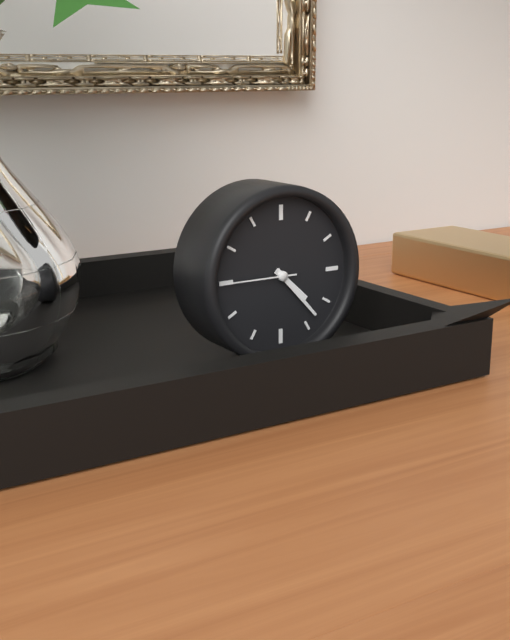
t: 4:23:45
